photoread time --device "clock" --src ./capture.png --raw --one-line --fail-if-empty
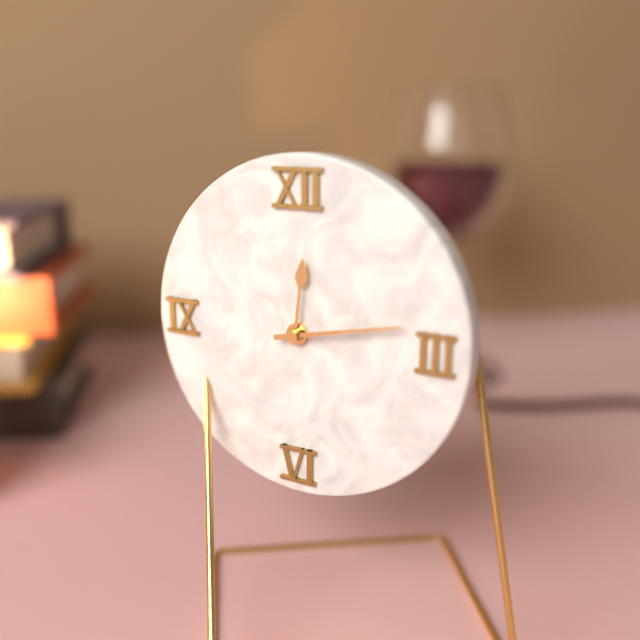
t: 12:13
